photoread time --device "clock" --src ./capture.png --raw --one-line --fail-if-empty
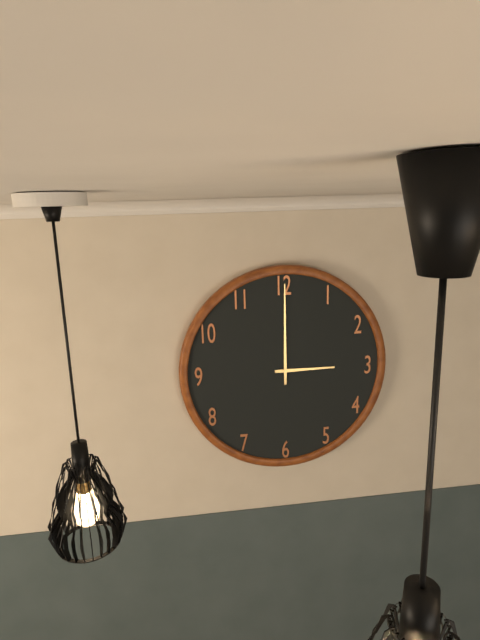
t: 3:00
